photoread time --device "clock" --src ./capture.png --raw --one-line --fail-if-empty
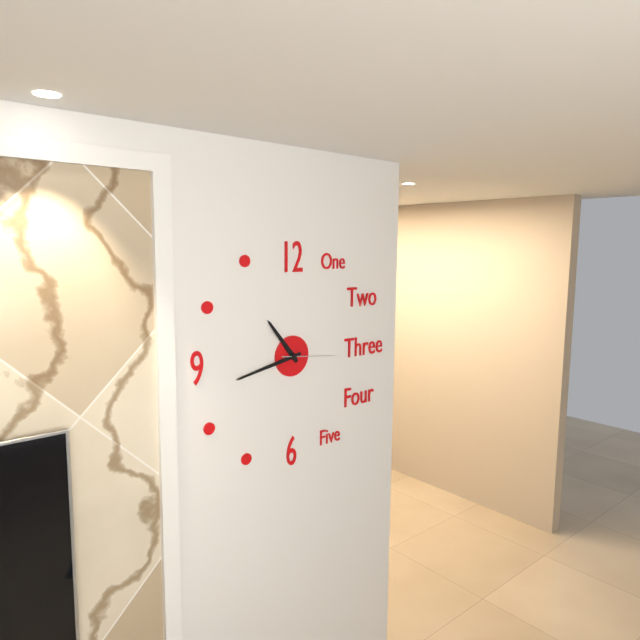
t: 10:43:16
